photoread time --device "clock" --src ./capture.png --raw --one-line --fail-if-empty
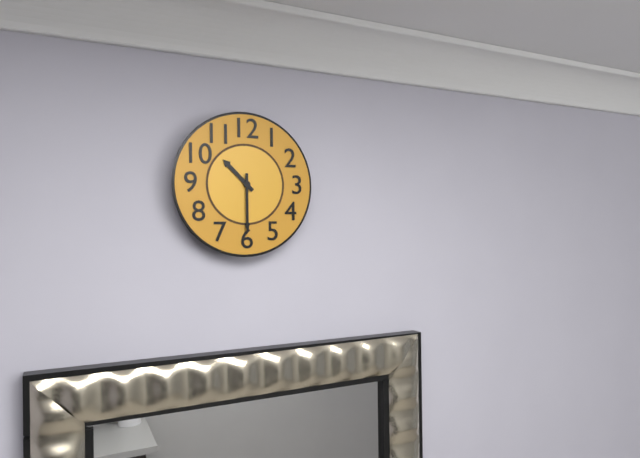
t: 10:30
